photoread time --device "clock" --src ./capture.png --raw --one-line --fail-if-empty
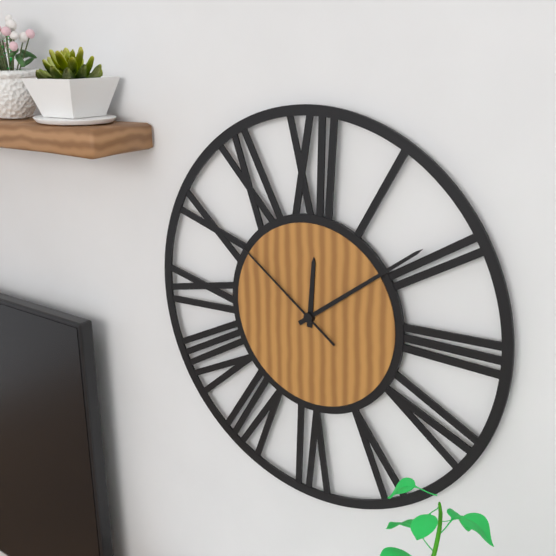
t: 12:09:51
